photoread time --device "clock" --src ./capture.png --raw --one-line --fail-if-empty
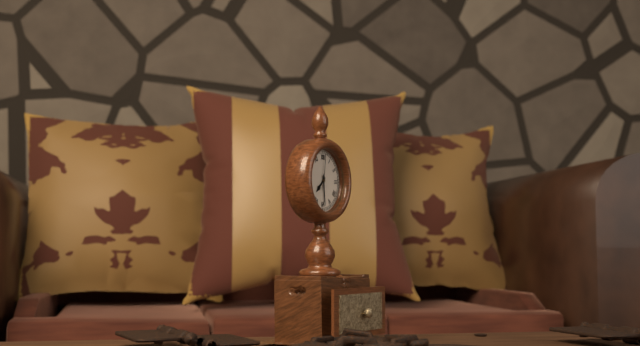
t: 7:29
